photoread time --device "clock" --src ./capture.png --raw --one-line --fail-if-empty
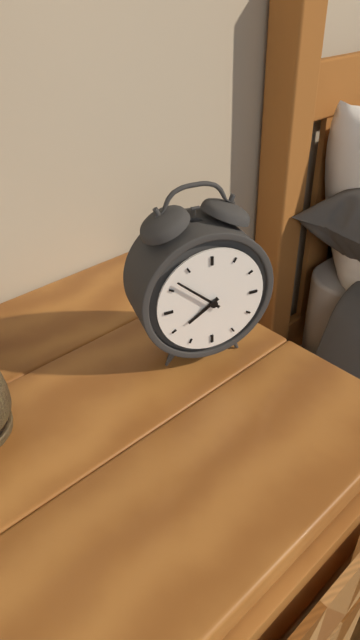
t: 7:52
